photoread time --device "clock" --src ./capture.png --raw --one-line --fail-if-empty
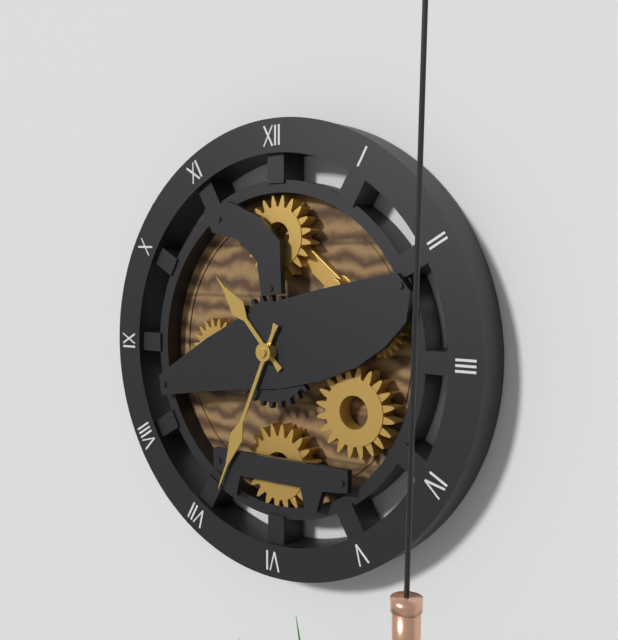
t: 10:34
